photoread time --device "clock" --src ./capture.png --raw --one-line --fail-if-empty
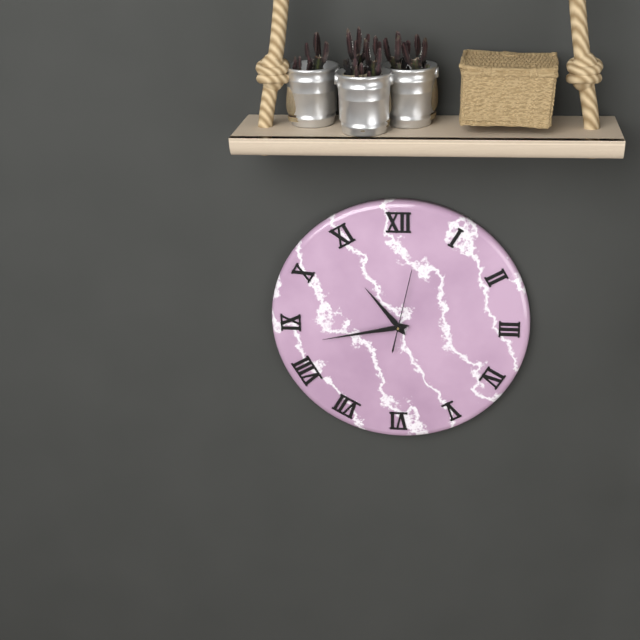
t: 10:43:02
